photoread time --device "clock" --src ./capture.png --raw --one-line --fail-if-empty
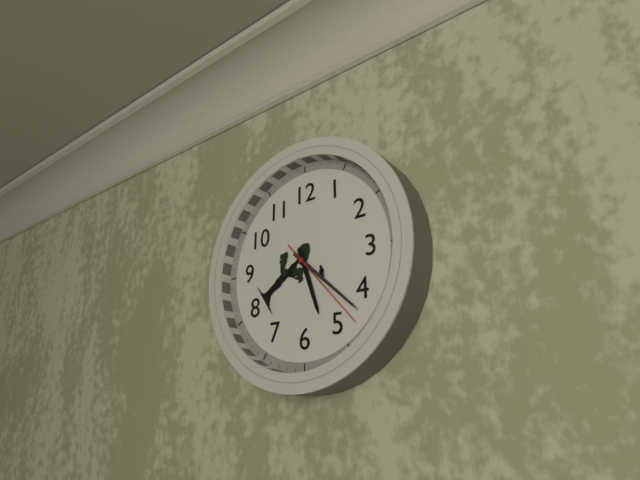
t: 5:22:23
